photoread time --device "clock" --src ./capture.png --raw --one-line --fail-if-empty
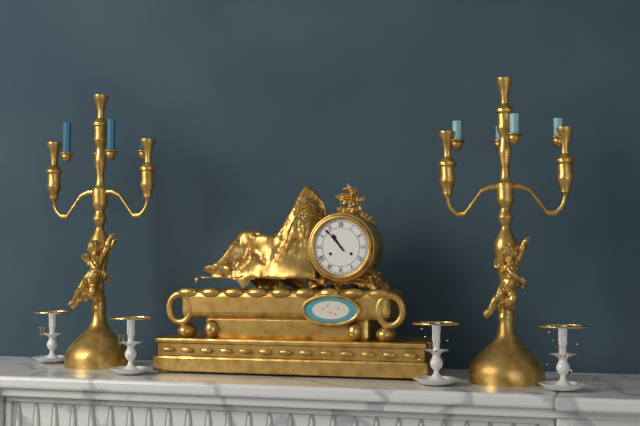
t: 10:53
